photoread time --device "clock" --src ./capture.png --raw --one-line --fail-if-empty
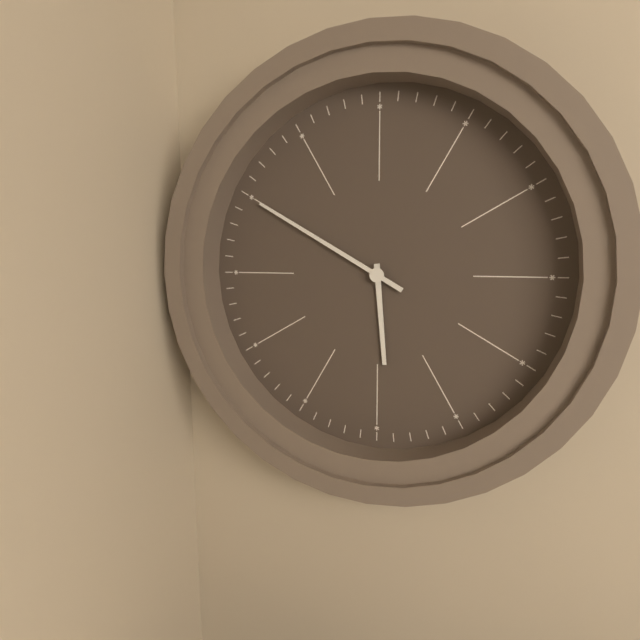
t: 5:50
